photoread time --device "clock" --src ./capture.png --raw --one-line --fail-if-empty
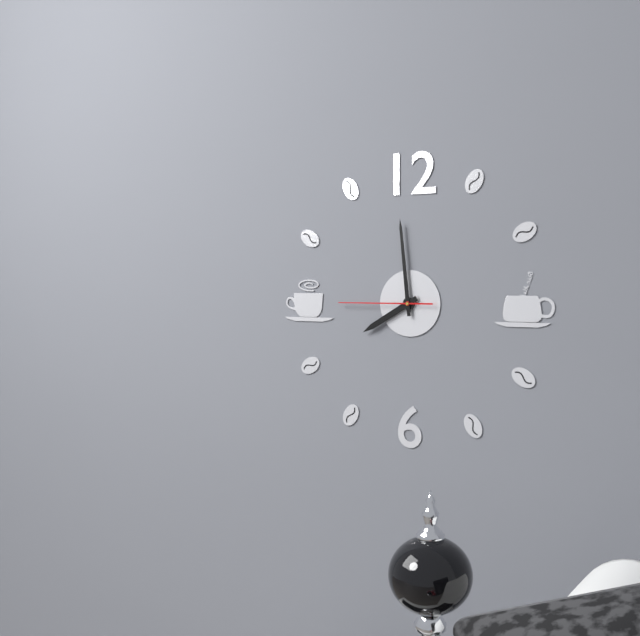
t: 7:59:45
